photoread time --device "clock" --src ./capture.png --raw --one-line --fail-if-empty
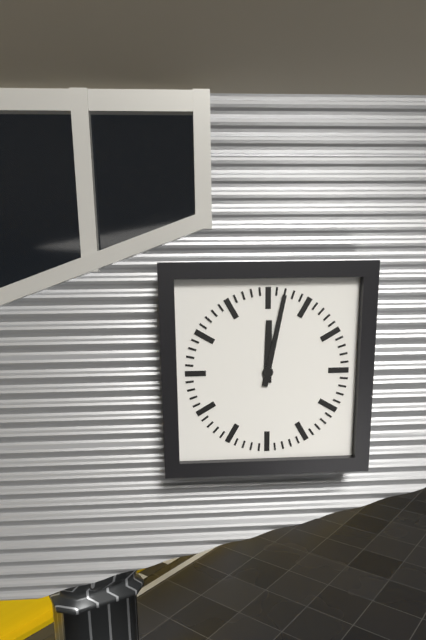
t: 12:02
